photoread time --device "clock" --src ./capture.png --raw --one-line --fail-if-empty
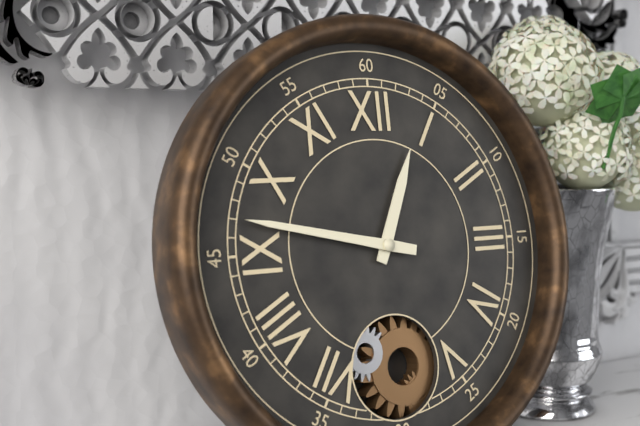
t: 12:47
